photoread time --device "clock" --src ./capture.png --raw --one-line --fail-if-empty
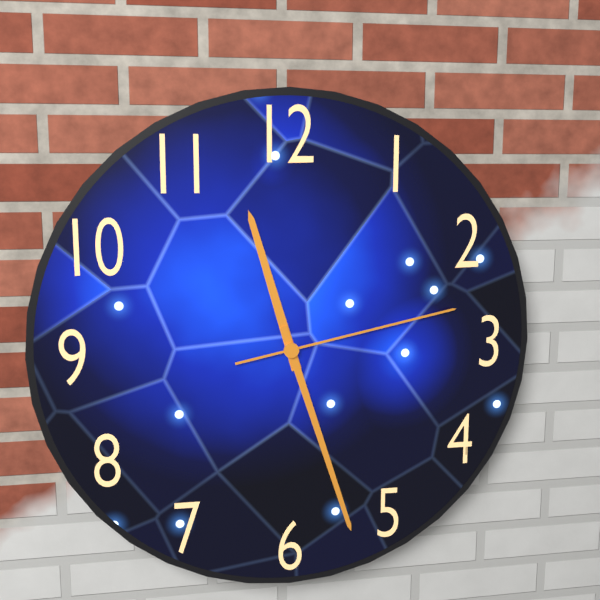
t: 11:27:13
